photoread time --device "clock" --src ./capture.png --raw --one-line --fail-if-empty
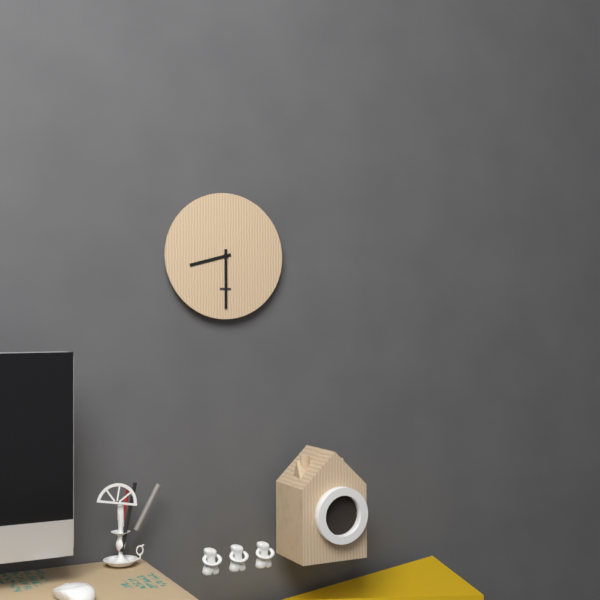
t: 8:30
